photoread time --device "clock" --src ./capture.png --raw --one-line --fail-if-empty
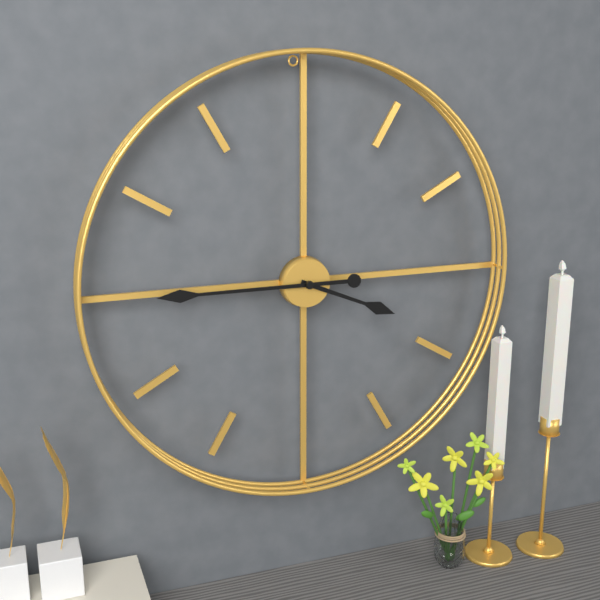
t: 3:45
